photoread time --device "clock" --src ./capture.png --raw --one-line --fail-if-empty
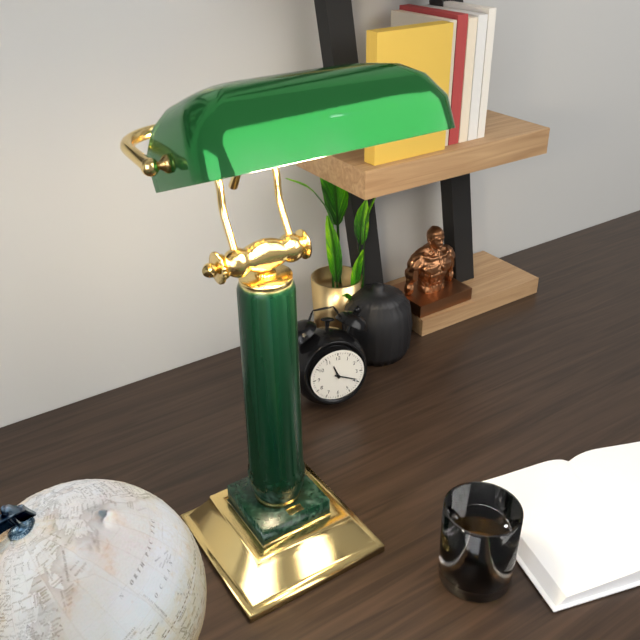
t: 11:19
